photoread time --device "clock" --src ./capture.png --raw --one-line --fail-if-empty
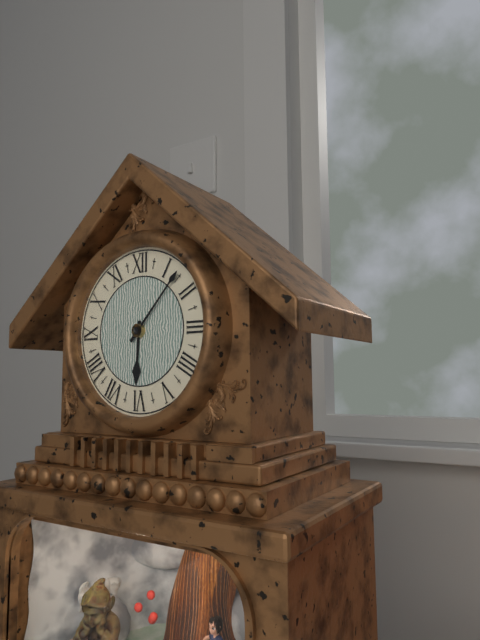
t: 6:07
